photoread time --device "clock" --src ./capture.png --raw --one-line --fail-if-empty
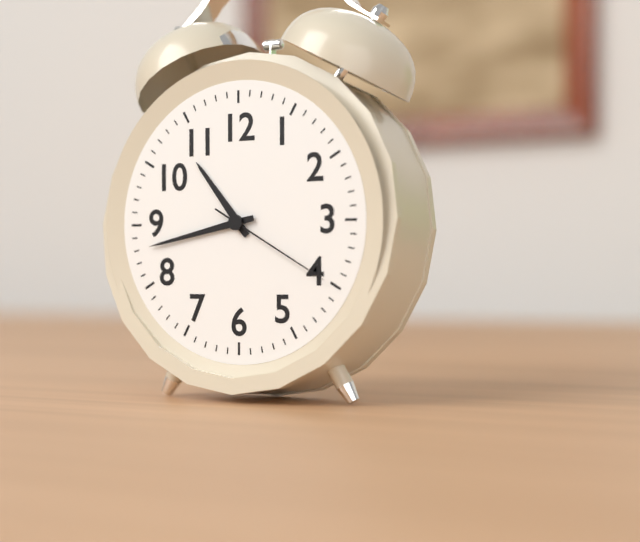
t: 10:43:20
